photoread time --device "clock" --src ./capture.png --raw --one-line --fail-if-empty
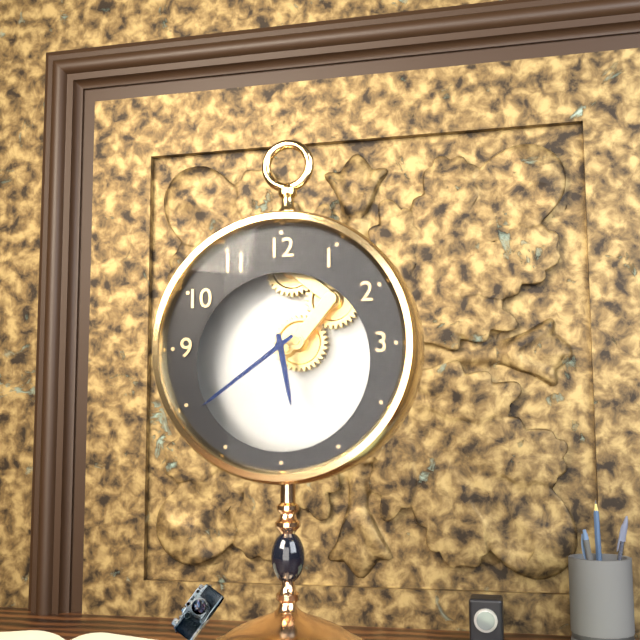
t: 5:39
